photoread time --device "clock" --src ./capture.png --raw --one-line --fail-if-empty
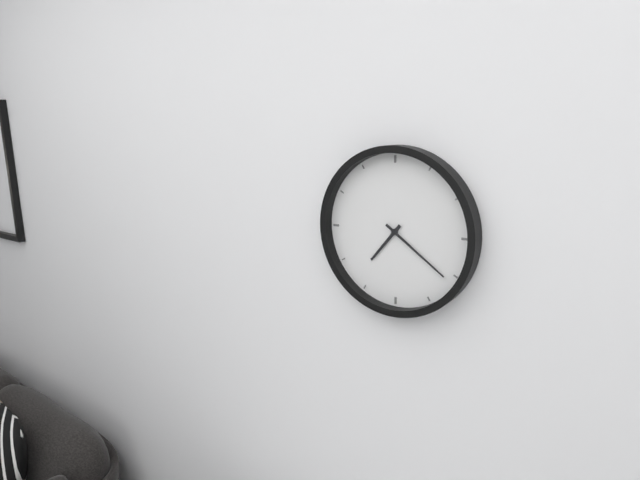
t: 7:21
